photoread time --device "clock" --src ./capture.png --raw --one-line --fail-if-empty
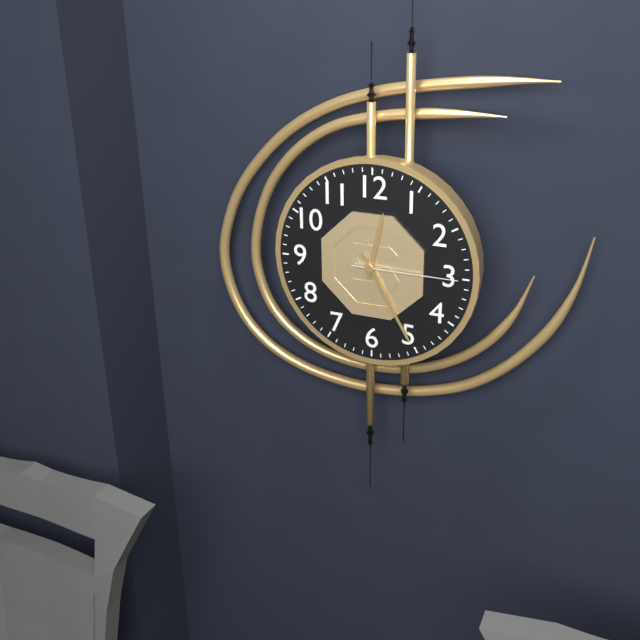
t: 12:25:15
